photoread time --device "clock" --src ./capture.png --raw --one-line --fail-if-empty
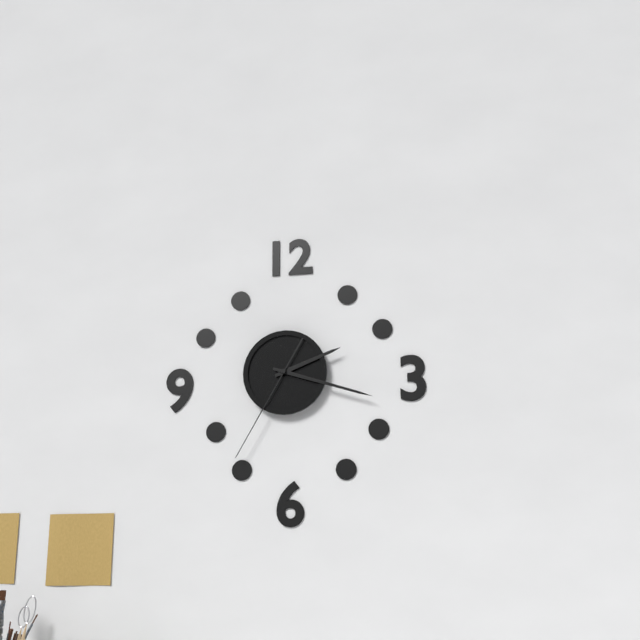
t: 2:18:35
